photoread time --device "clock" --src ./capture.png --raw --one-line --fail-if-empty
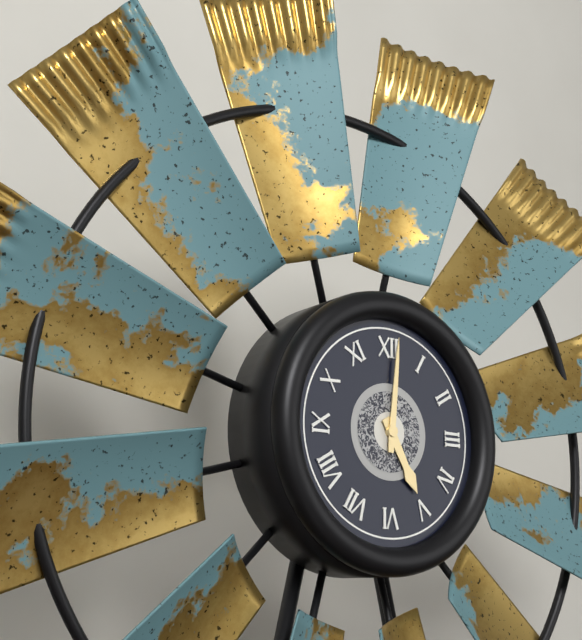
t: 5:01
